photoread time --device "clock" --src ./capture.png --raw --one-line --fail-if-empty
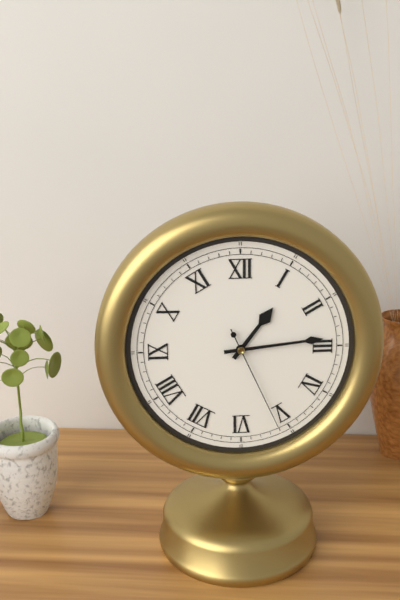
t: 1:14:26
